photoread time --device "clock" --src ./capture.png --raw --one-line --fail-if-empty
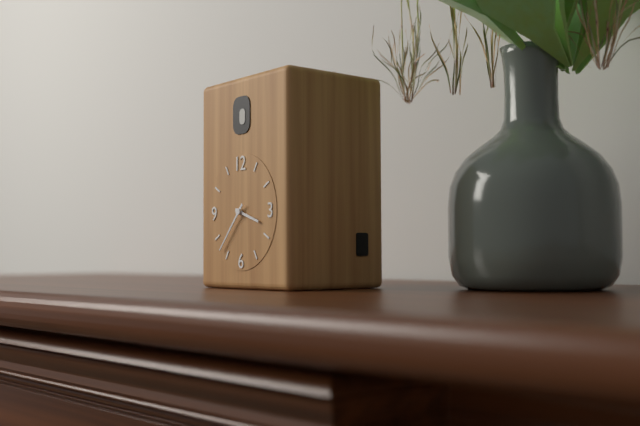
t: 3:37
